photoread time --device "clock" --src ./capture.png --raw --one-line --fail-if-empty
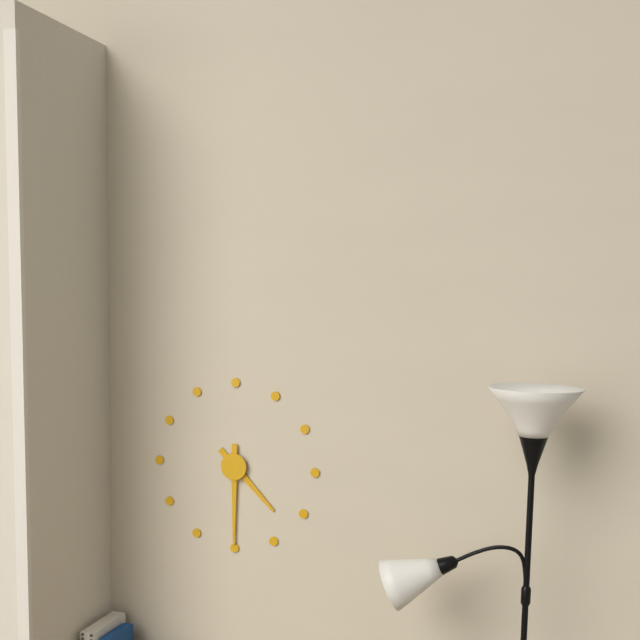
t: 4:30
